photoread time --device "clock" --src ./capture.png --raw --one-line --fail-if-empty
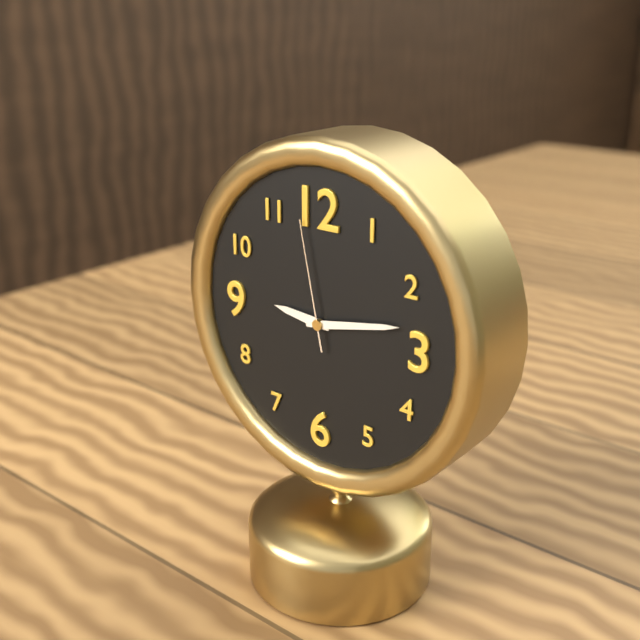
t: 9:13:58
